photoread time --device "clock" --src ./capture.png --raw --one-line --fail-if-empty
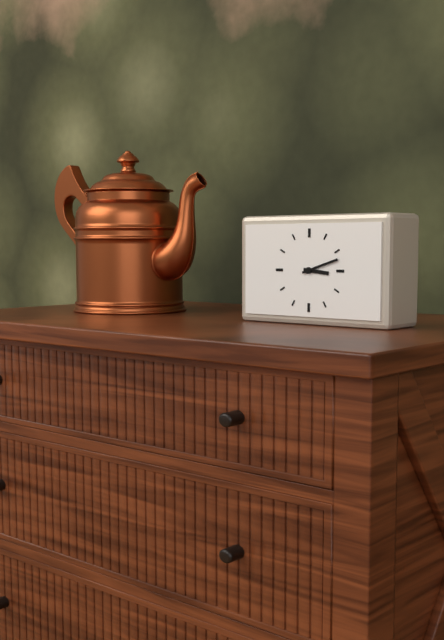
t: 3:12
